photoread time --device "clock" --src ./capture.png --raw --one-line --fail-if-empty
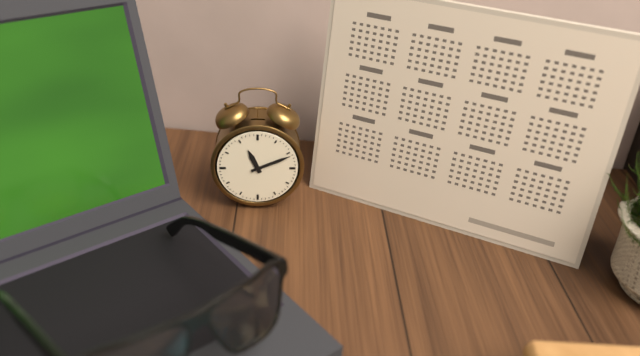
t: 11:11
